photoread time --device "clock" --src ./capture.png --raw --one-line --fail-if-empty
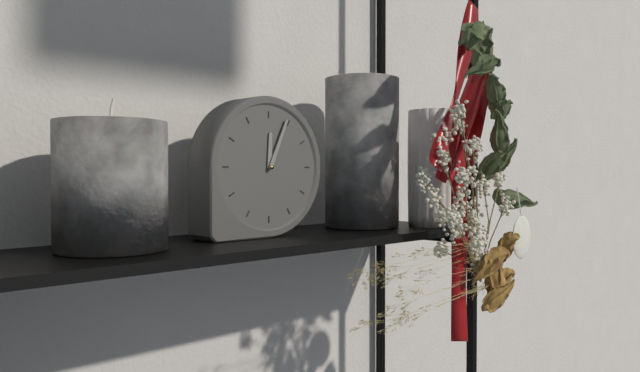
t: 12:04
